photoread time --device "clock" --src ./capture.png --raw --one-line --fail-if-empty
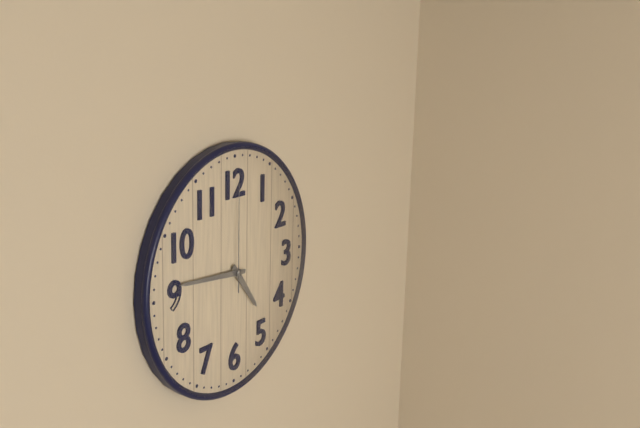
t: 4:46:00
